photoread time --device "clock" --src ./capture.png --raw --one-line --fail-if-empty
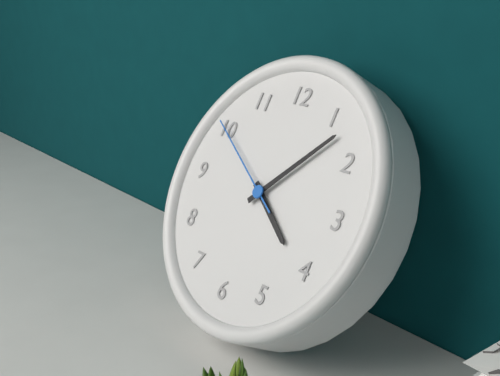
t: 4:07:50
